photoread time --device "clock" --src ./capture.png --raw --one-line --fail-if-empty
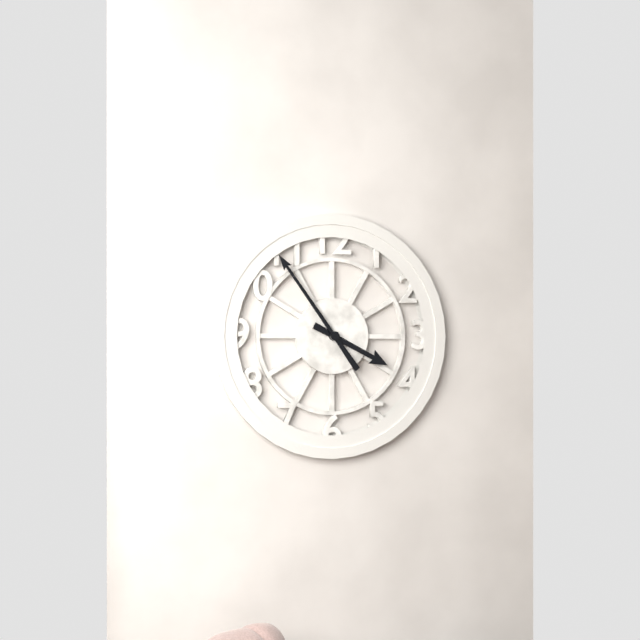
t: 3:54
